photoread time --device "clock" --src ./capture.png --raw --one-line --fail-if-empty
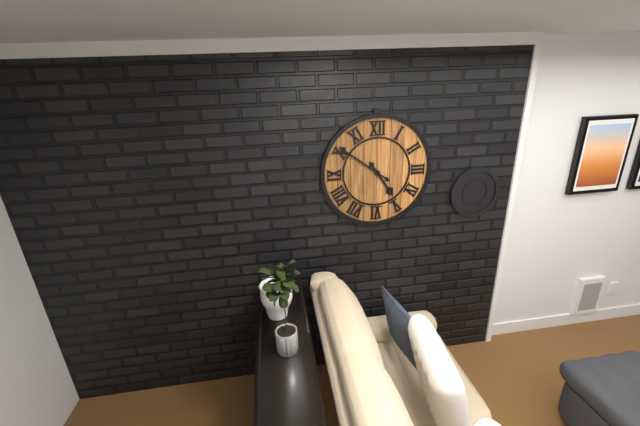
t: 4:51
